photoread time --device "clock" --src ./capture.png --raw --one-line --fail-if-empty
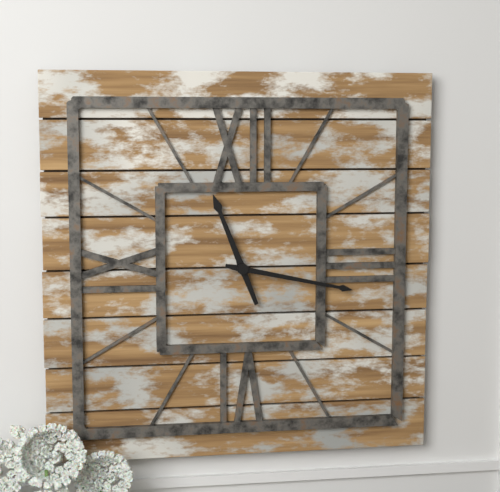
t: 11:17
